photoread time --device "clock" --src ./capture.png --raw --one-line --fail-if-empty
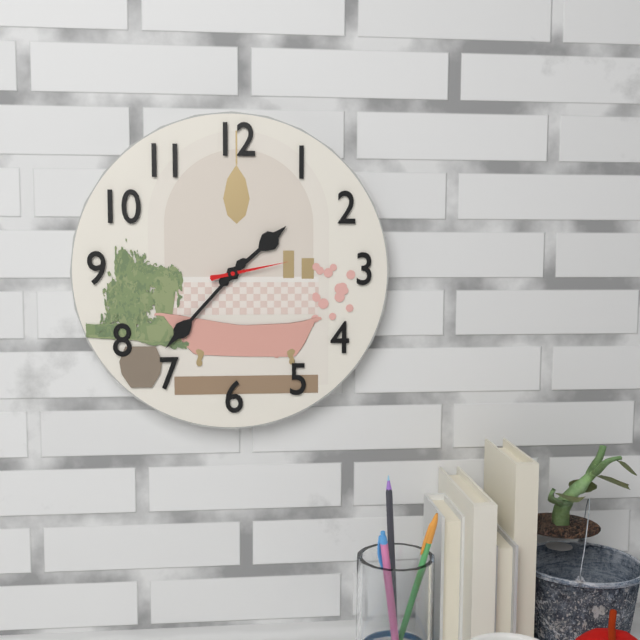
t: 1:37:13
